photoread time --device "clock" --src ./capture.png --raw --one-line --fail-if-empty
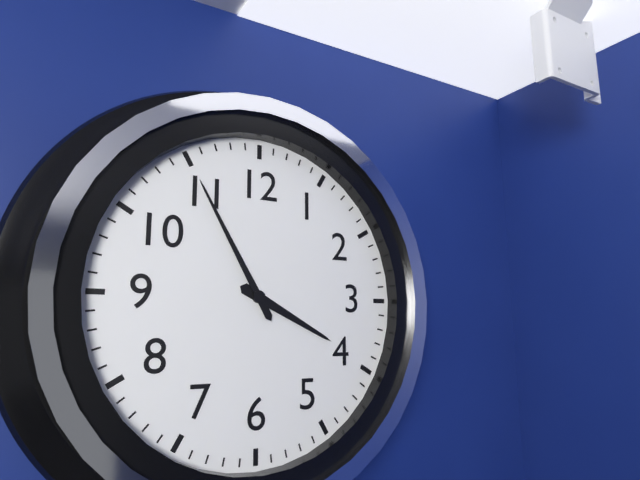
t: 3:55
